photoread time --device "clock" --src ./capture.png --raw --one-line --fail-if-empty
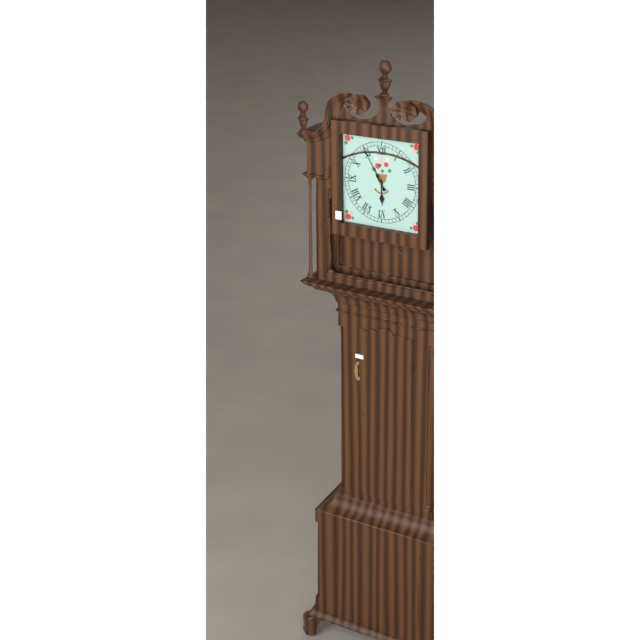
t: 5:55
